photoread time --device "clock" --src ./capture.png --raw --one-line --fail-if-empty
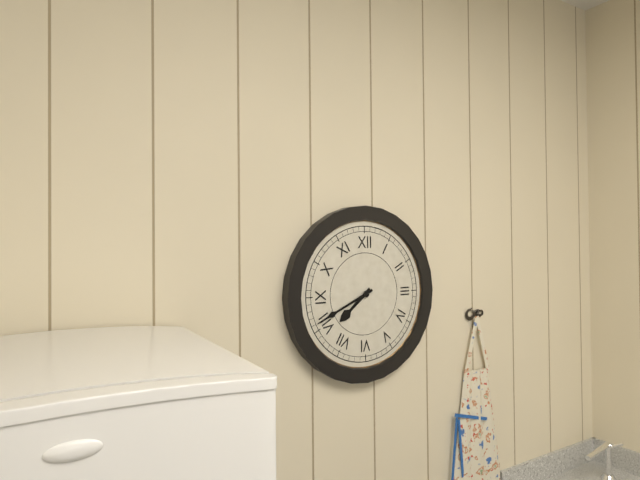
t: 7:41
